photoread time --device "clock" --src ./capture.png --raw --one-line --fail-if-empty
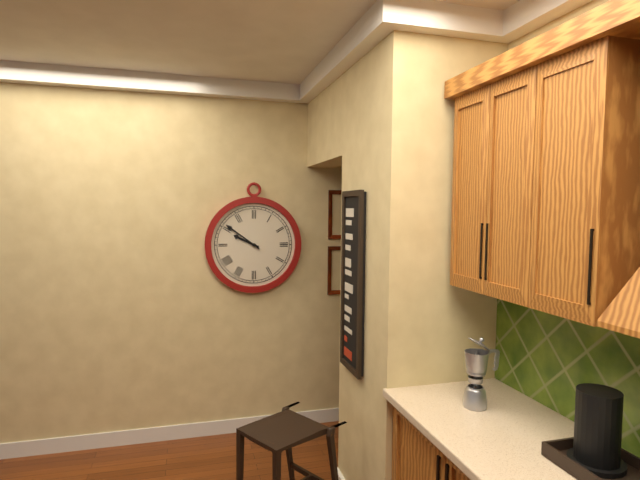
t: 9:51
